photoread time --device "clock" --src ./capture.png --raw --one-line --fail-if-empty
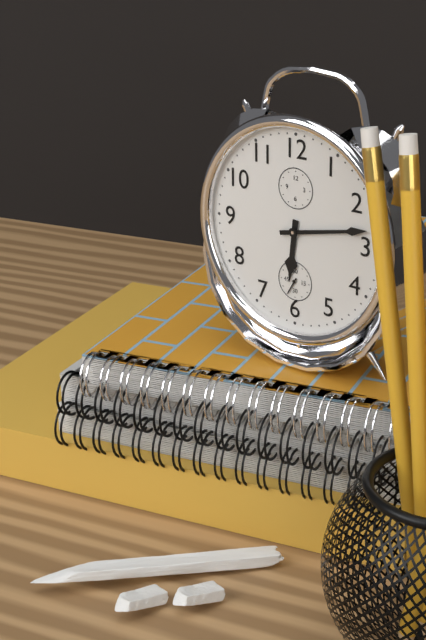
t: 6:13
